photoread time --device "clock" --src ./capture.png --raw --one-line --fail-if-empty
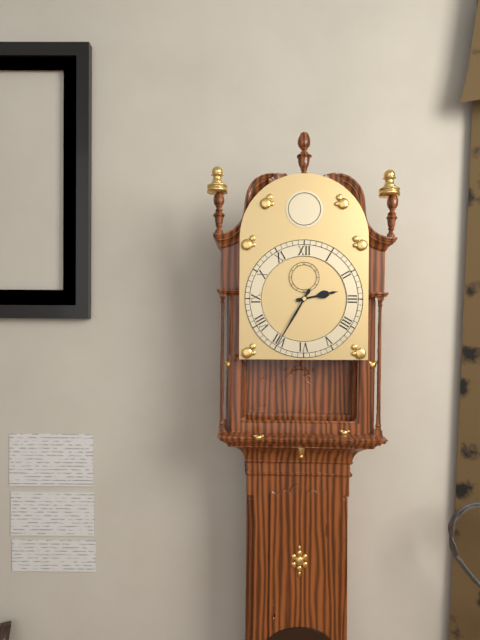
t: 2:35
